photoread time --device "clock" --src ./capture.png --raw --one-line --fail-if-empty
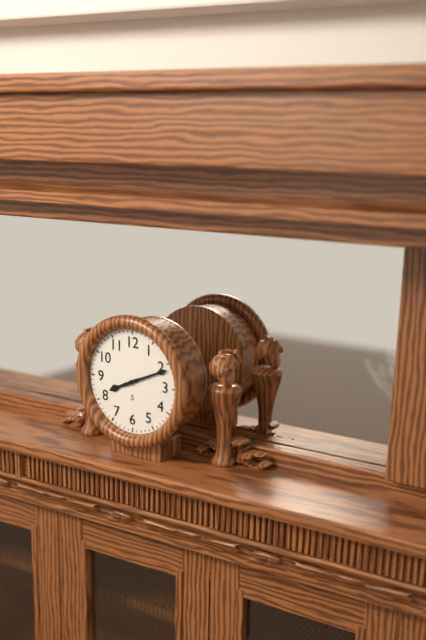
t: 8:11
